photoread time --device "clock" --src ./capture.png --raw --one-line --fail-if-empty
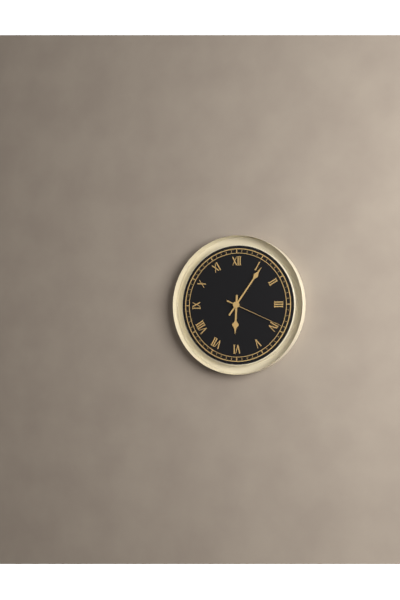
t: 6:06:19
